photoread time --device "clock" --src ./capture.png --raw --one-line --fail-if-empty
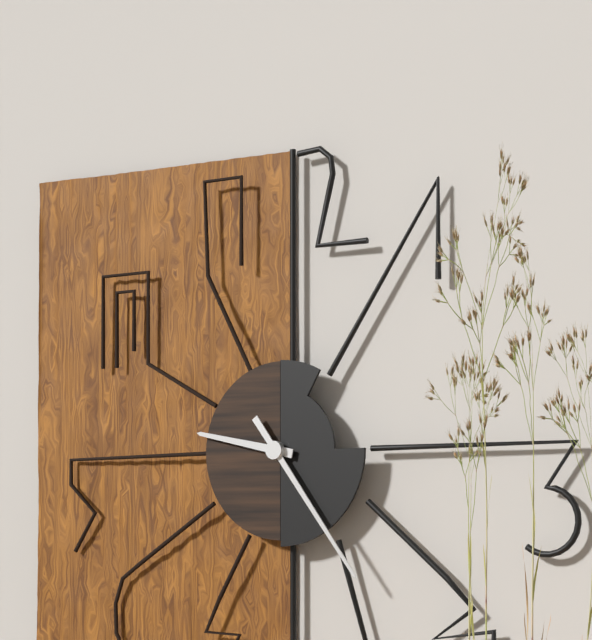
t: 9:24
